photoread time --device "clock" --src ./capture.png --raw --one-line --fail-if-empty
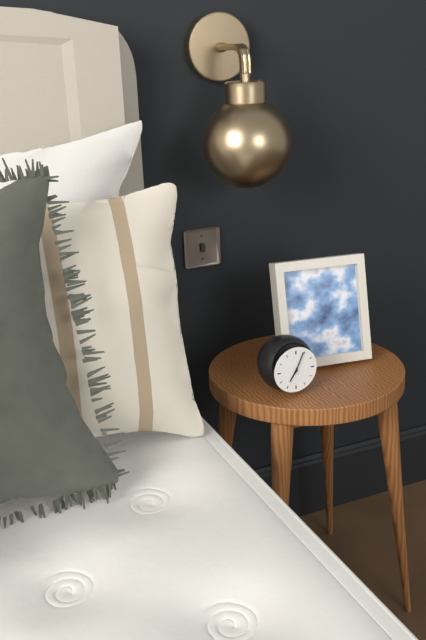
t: 7:04
